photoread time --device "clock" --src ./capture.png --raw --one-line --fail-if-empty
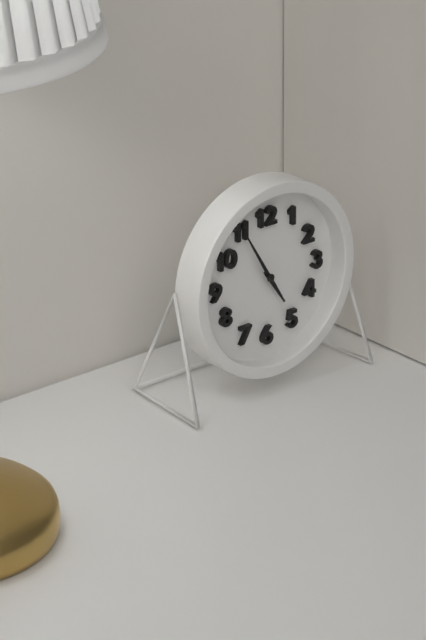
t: 4:55
